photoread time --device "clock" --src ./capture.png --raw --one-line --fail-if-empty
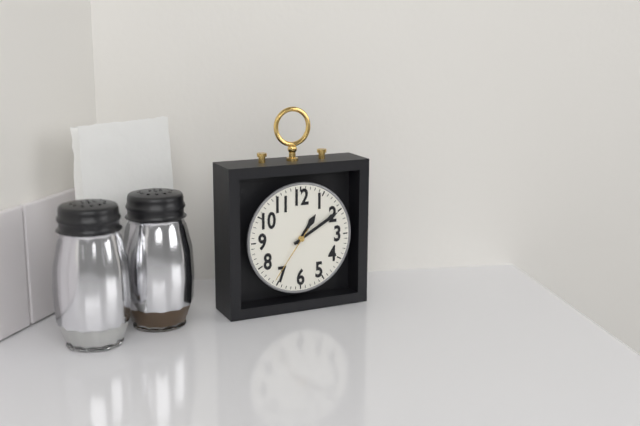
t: 1:10:36
